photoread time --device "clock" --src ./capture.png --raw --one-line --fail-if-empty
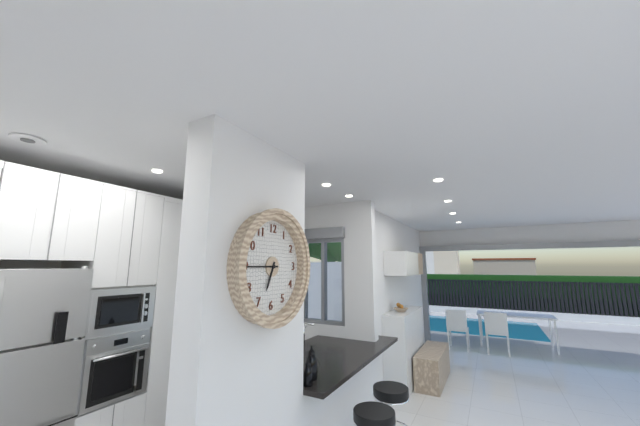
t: 6:45
